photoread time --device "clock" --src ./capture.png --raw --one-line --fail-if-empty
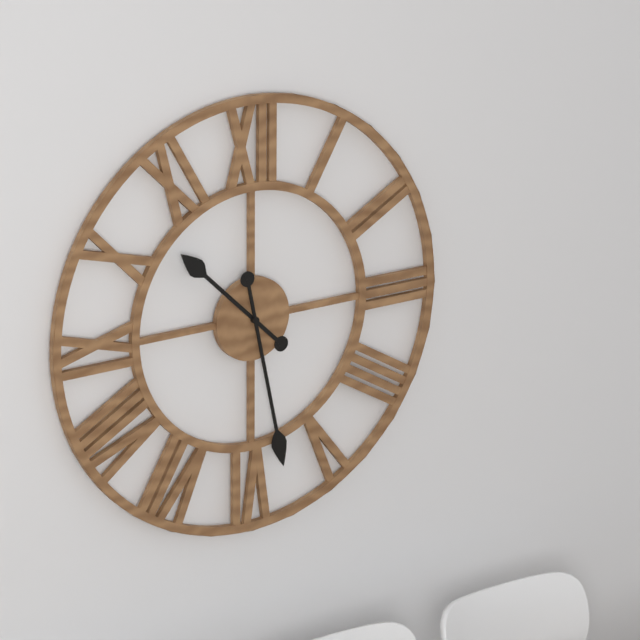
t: 10:28
